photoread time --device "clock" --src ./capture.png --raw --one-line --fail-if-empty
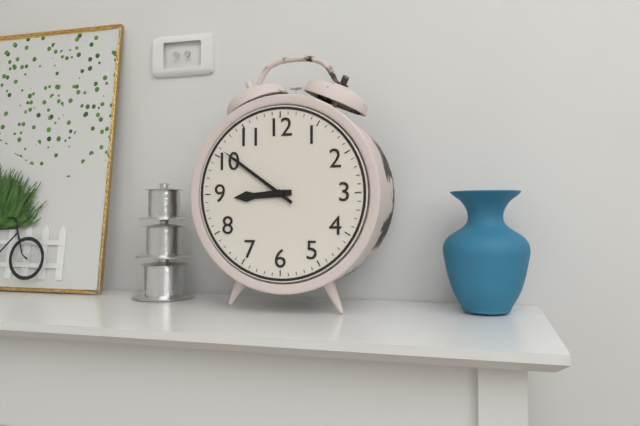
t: 8:51
